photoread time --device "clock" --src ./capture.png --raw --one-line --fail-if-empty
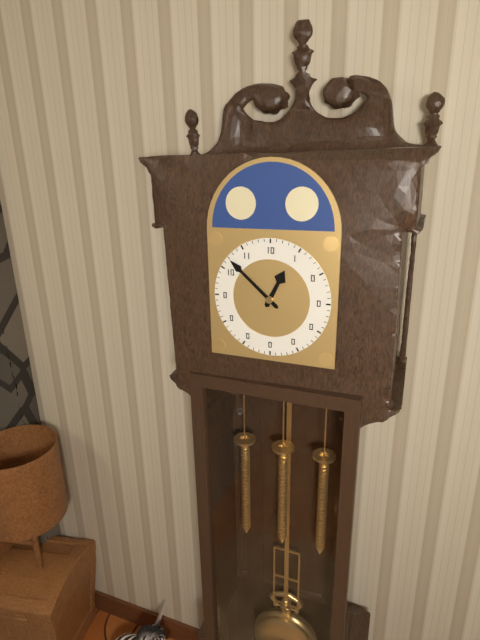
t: 12:52
